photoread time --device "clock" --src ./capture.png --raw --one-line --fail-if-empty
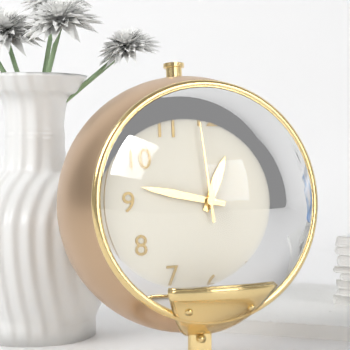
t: 12:47:59
